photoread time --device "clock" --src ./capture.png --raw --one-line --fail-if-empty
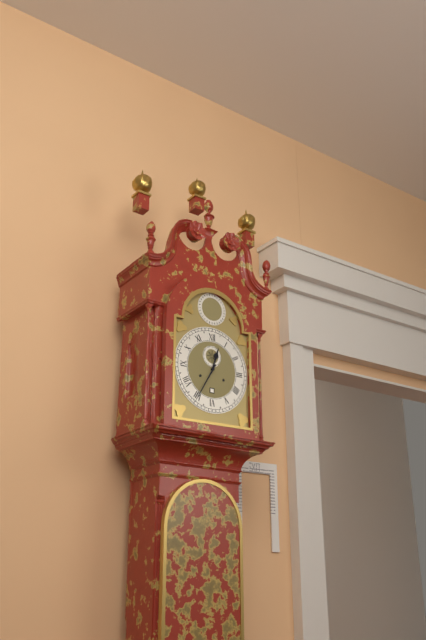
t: 12:35
